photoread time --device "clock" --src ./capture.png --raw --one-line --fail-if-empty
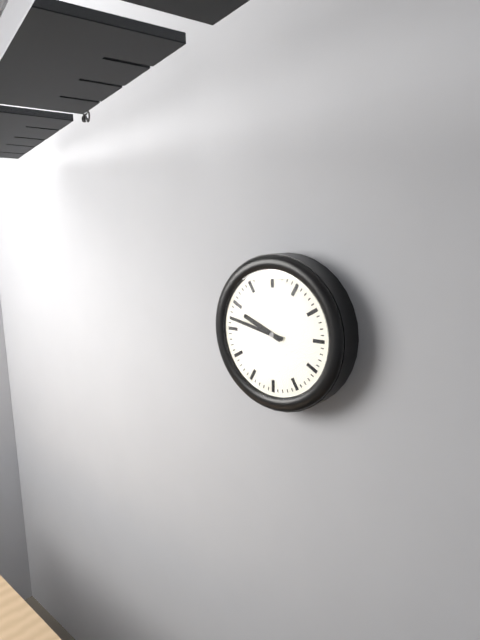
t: 9:47
